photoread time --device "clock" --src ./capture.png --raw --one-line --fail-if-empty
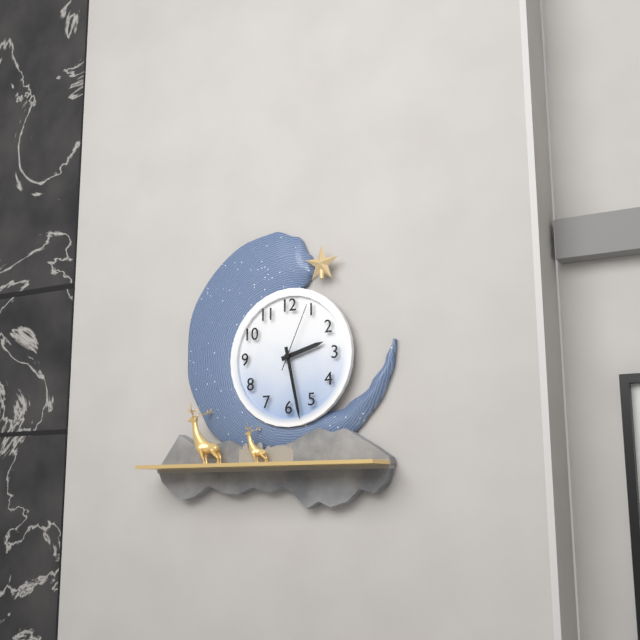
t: 2:28:04
